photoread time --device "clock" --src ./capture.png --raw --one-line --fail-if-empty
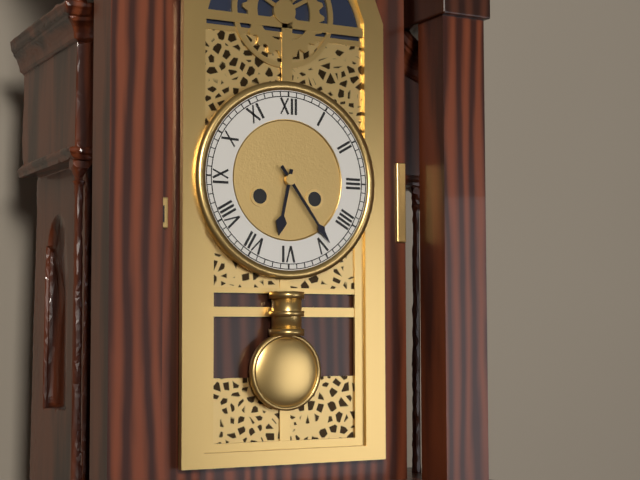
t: 6:24
